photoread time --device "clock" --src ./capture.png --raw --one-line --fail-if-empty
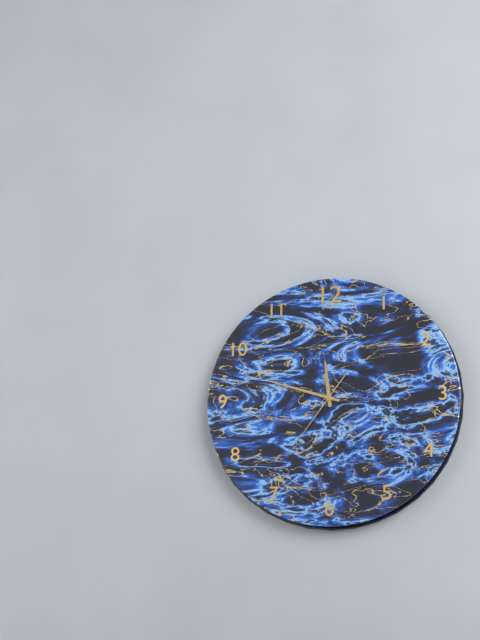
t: 11:48:36
